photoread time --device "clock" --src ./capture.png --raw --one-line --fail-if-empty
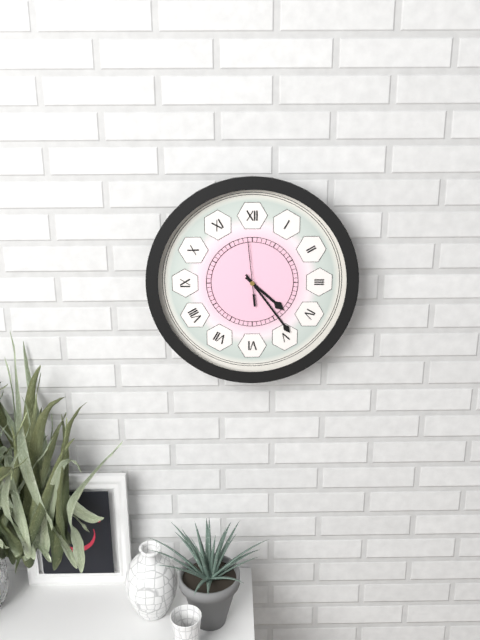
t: 4:24:59
